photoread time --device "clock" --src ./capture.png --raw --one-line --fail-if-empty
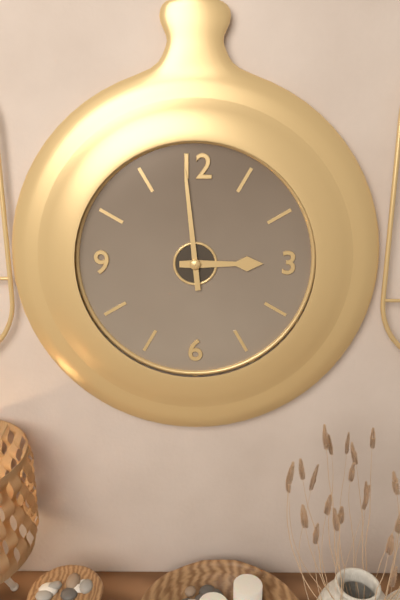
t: 2:59
